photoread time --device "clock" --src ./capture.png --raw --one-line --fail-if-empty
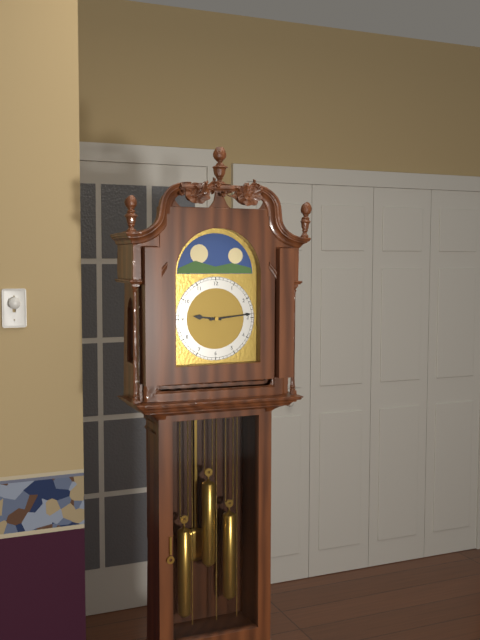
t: 9:14
